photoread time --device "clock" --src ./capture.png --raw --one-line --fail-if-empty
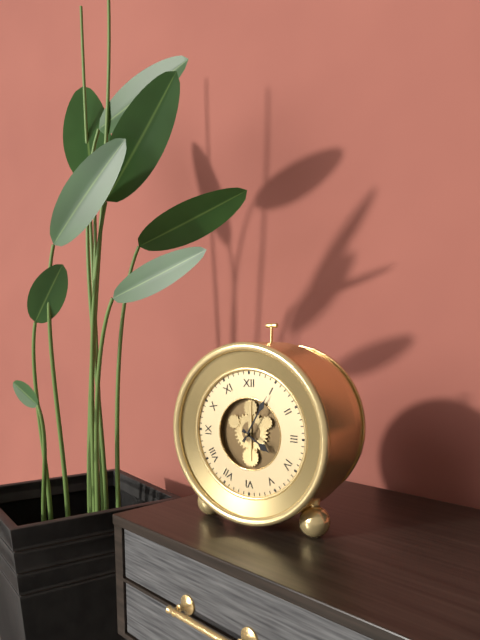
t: 4:05
